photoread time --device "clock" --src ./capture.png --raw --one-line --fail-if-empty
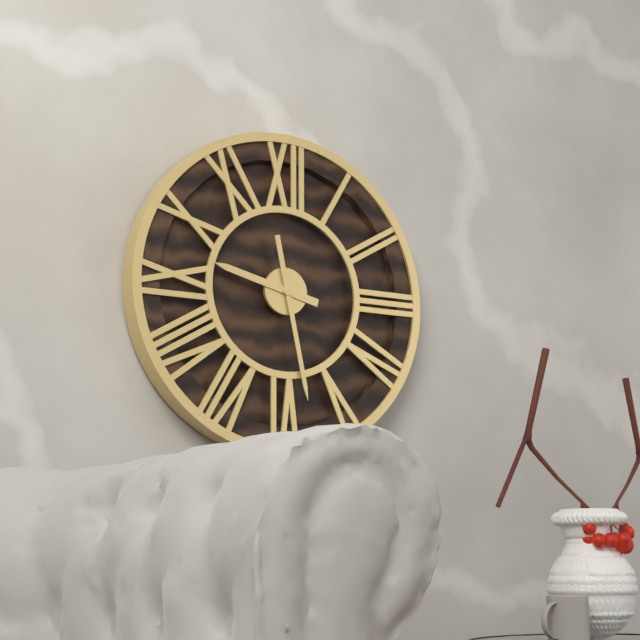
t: 9:28
